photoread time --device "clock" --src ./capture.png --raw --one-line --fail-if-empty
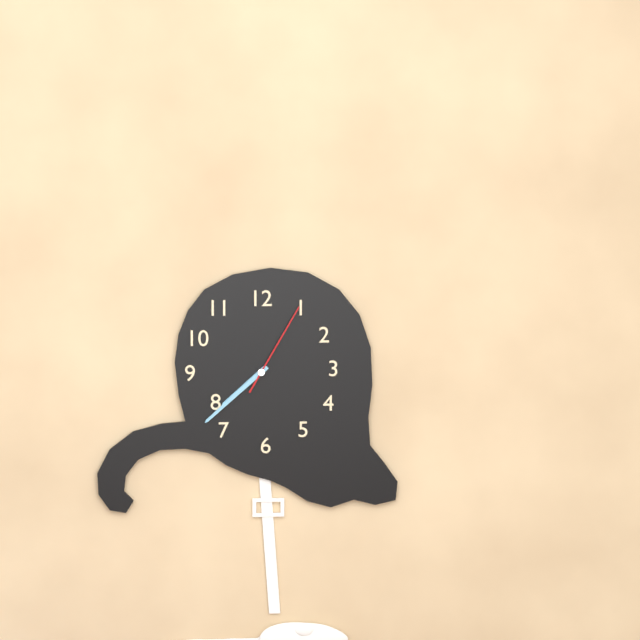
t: 7:38:05
